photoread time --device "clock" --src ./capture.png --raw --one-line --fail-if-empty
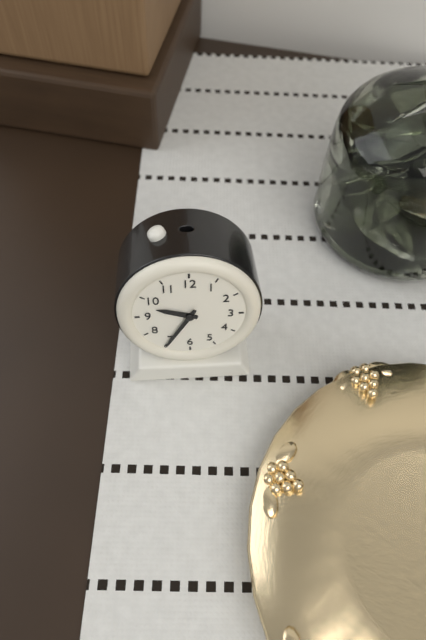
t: 9:35
